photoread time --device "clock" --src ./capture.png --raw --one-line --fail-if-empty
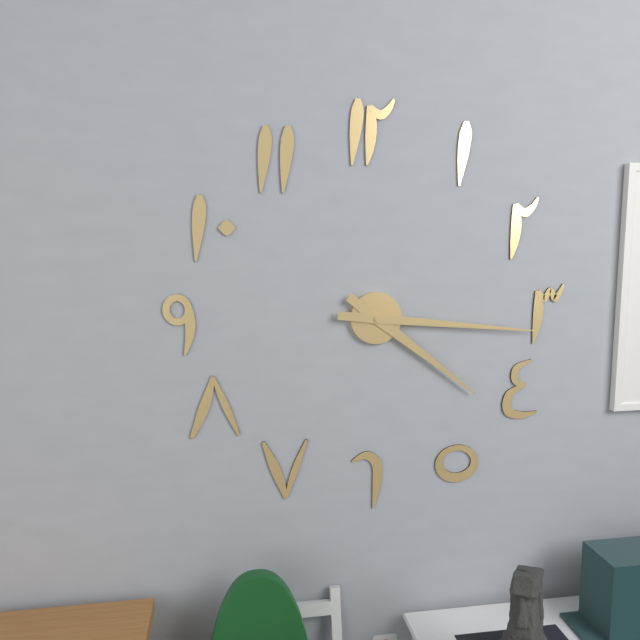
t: 4:16
